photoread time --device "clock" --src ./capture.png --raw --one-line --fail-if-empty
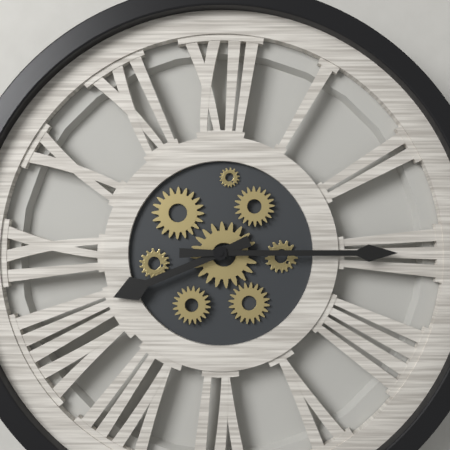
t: 8:15
